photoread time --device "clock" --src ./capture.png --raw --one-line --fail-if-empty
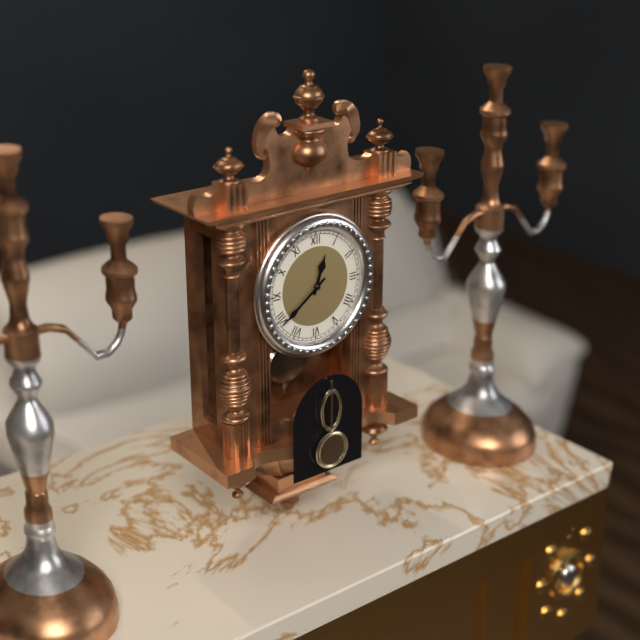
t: 12:39
